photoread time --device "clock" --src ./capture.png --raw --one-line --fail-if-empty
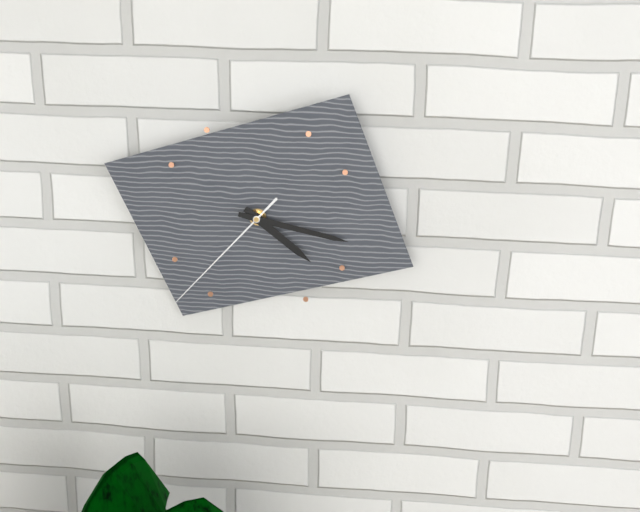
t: 4:17:37
